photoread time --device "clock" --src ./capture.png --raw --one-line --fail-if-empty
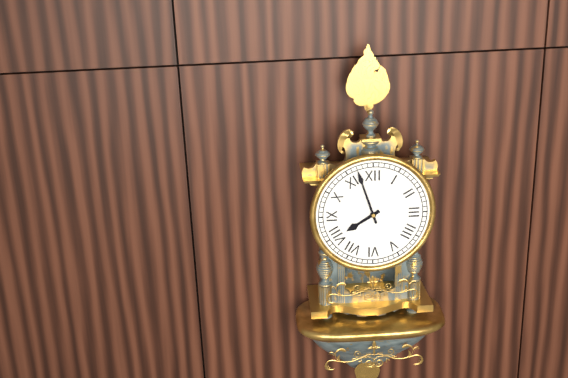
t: 7:57
